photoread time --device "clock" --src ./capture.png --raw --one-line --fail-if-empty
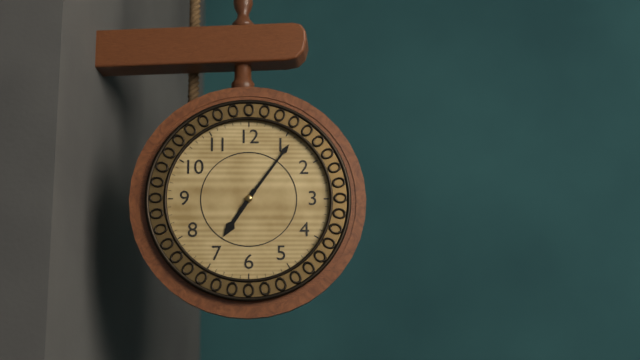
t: 7:06
